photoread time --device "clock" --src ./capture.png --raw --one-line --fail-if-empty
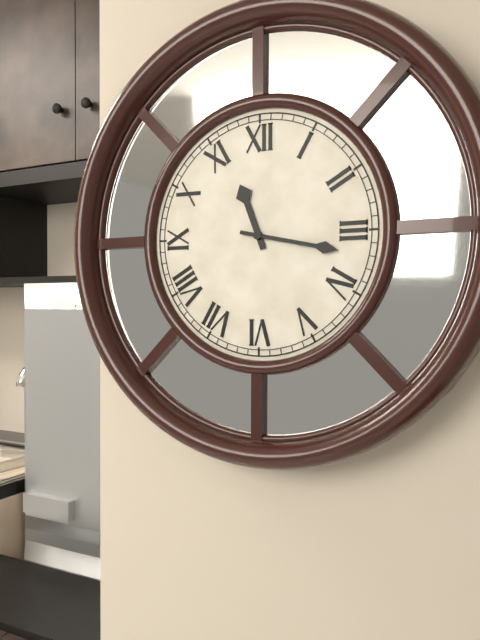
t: 11:17
